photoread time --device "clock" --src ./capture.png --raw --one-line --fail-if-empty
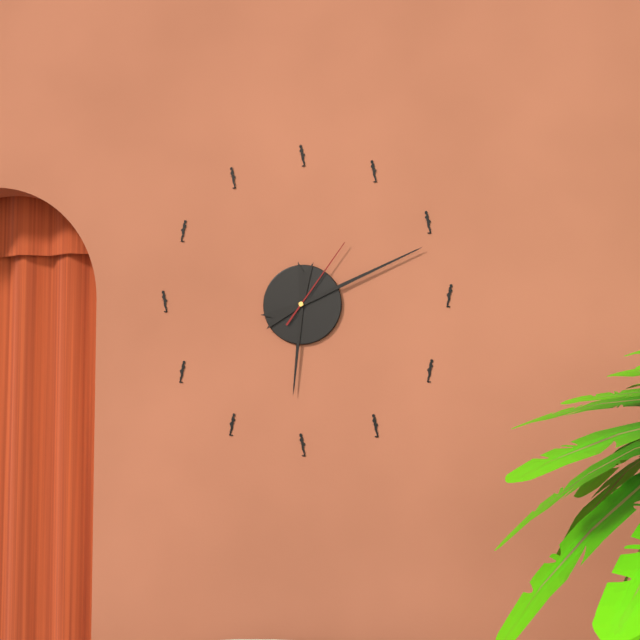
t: 6:11:06
